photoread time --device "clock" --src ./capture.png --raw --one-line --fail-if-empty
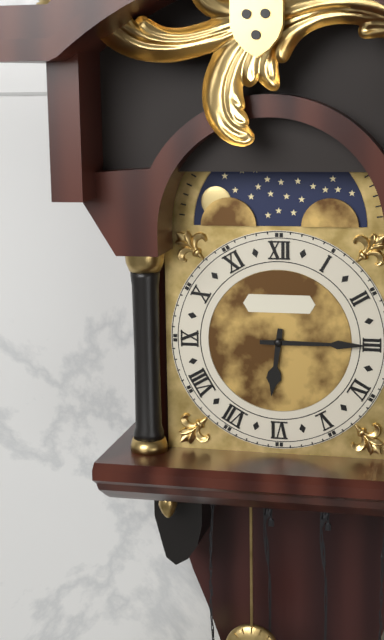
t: 6:15
